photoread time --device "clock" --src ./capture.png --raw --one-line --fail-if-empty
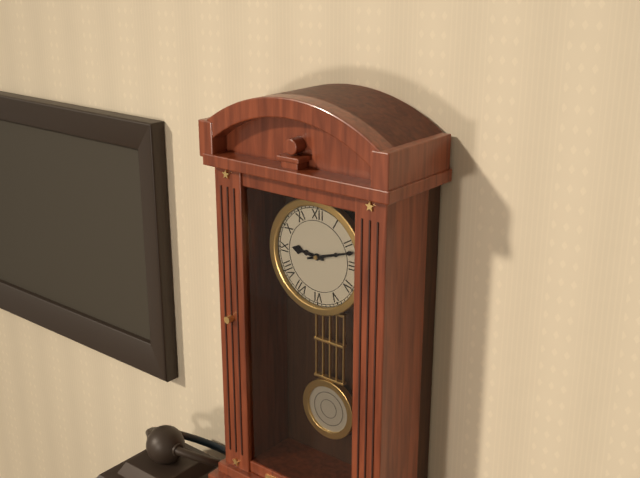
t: 9:12
